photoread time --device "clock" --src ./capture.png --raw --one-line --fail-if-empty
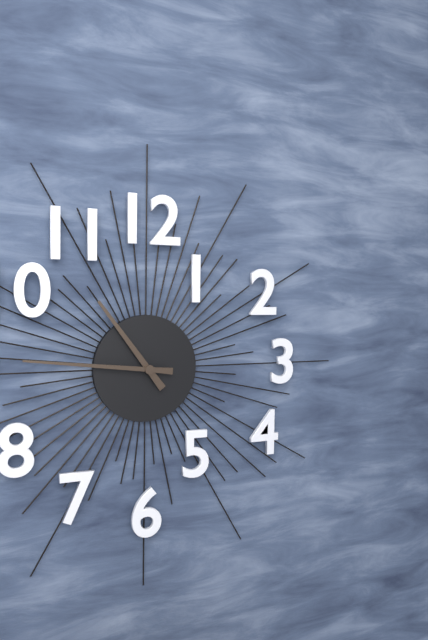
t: 10:46
